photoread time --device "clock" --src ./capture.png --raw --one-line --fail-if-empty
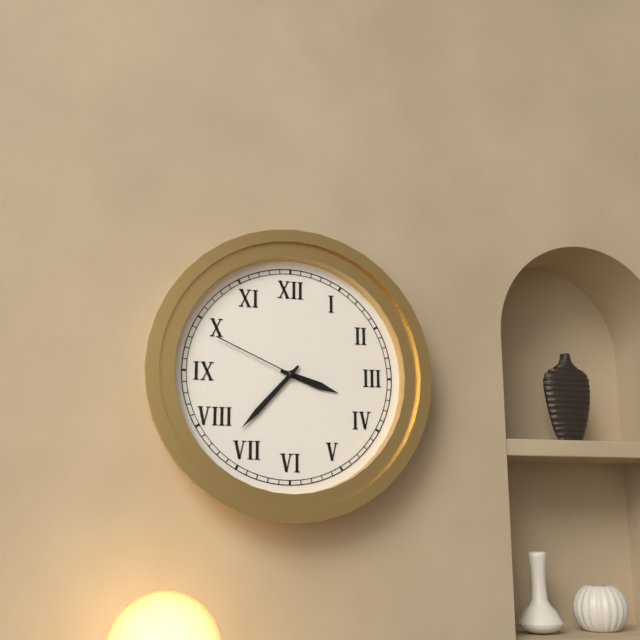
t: 3:37:49
